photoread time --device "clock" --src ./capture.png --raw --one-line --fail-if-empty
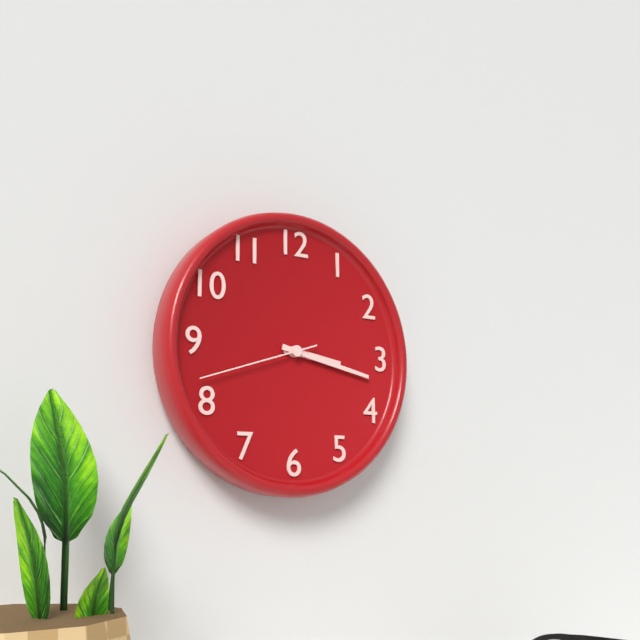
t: 3:17:42
